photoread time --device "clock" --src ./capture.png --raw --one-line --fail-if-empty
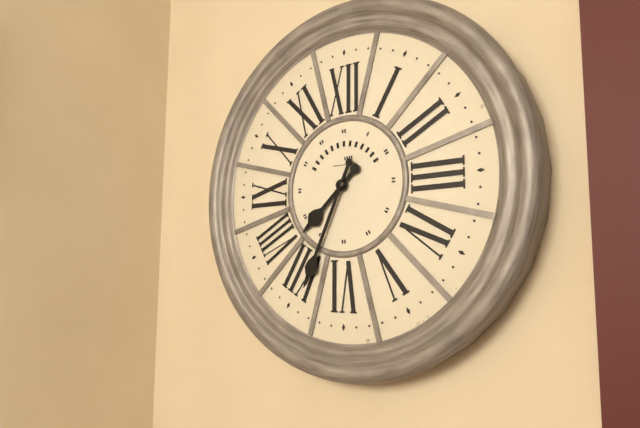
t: 7:34
